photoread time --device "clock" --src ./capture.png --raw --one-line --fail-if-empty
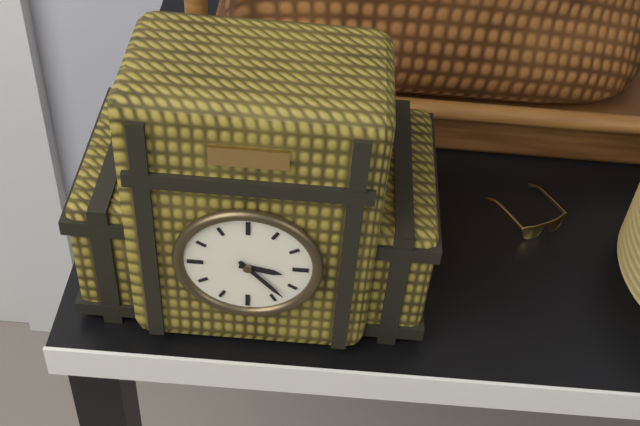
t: 3:23
